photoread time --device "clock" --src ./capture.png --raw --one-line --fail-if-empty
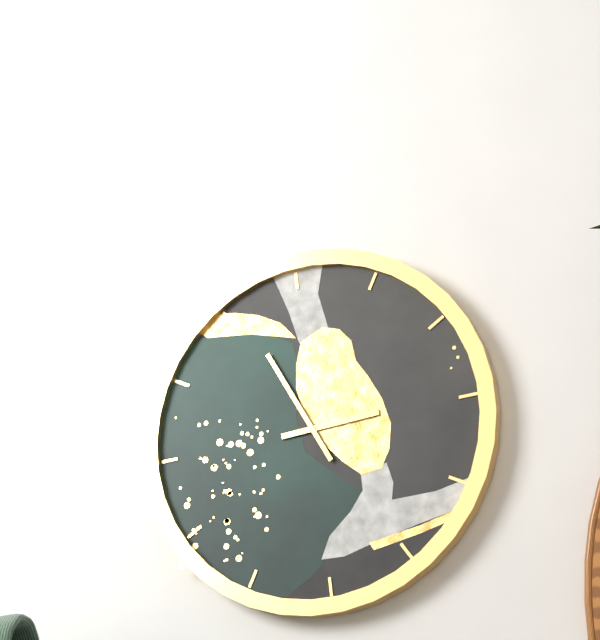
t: 2:56
